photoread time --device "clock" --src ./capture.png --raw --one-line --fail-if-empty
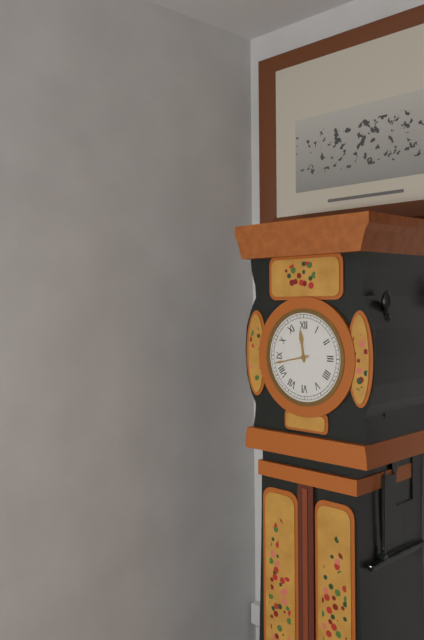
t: 11:43
